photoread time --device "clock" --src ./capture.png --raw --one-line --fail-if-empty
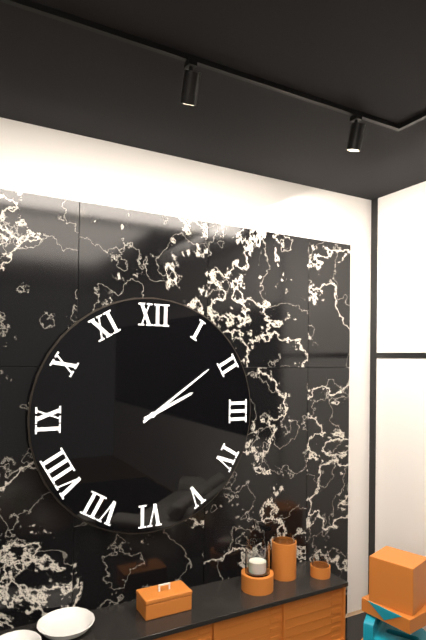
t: 2:09
